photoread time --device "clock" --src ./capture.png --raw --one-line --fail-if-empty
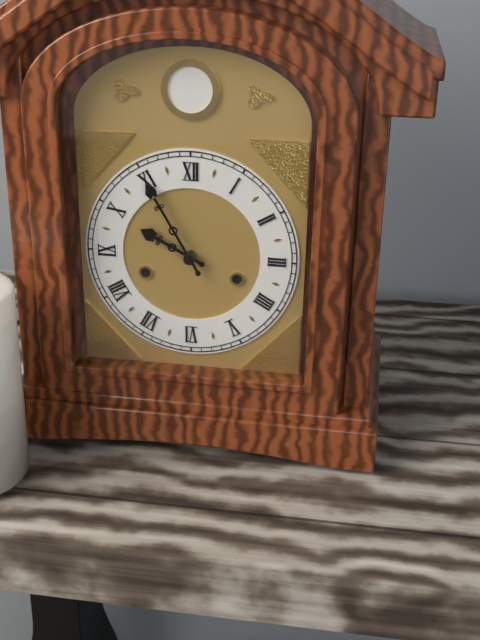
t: 9:55
